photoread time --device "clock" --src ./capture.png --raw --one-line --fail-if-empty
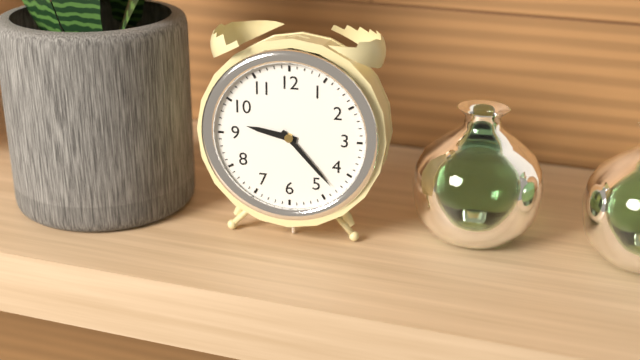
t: 9:23
